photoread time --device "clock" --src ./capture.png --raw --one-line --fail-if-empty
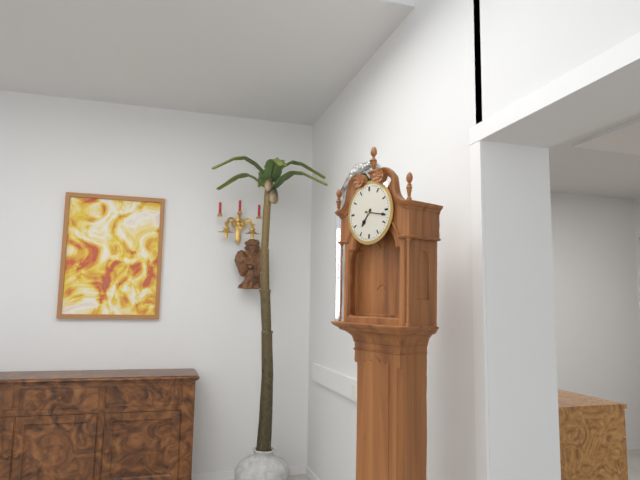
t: 7:17
